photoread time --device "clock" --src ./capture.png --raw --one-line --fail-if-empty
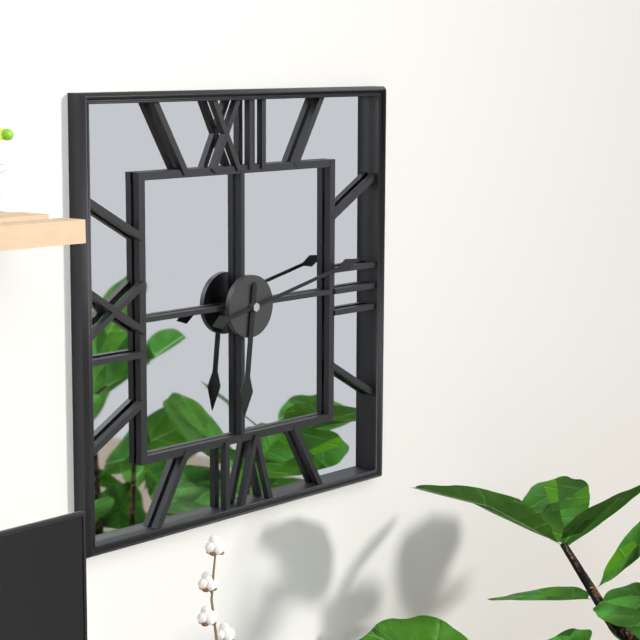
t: 6:13
